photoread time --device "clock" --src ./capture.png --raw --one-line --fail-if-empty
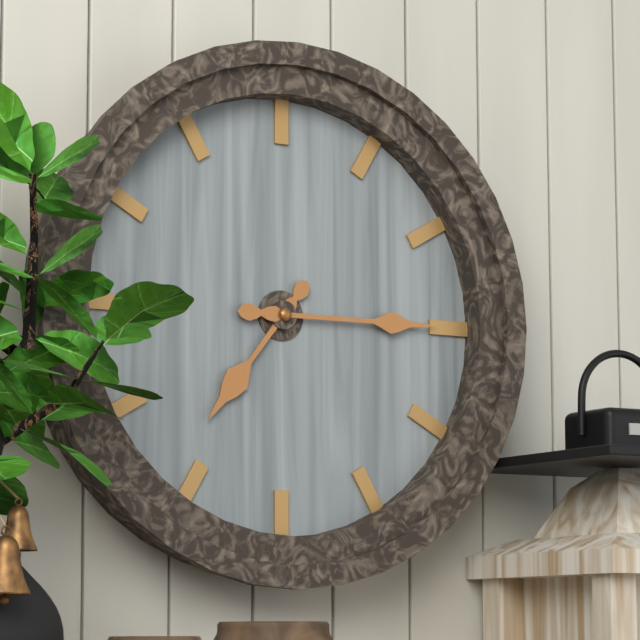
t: 7:15
